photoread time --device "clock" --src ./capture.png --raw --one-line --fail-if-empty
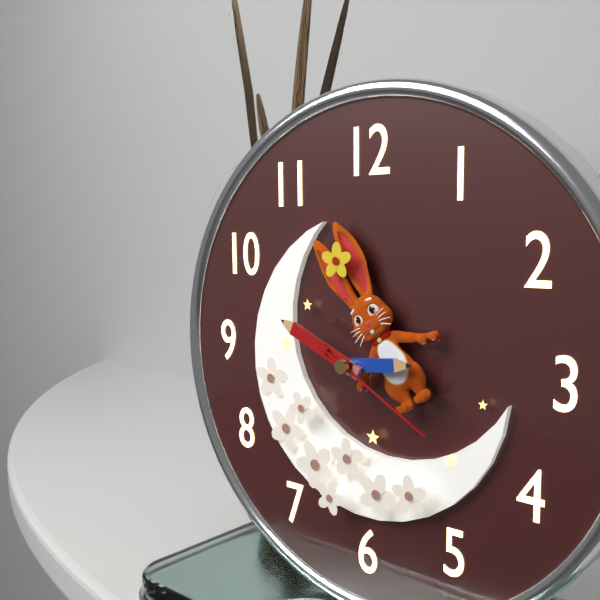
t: 2:49:20
